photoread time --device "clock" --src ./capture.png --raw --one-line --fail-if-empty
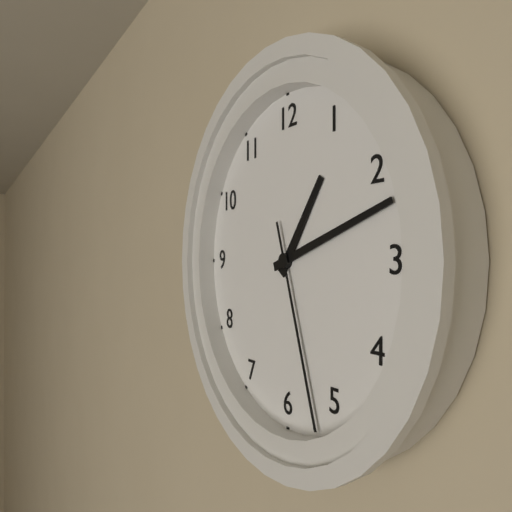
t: 1:12:27
